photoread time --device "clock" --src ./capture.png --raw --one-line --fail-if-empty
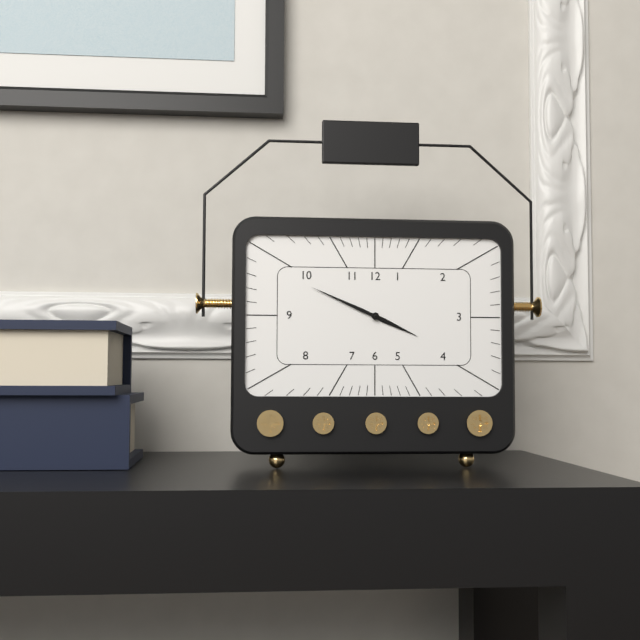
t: 3:49
